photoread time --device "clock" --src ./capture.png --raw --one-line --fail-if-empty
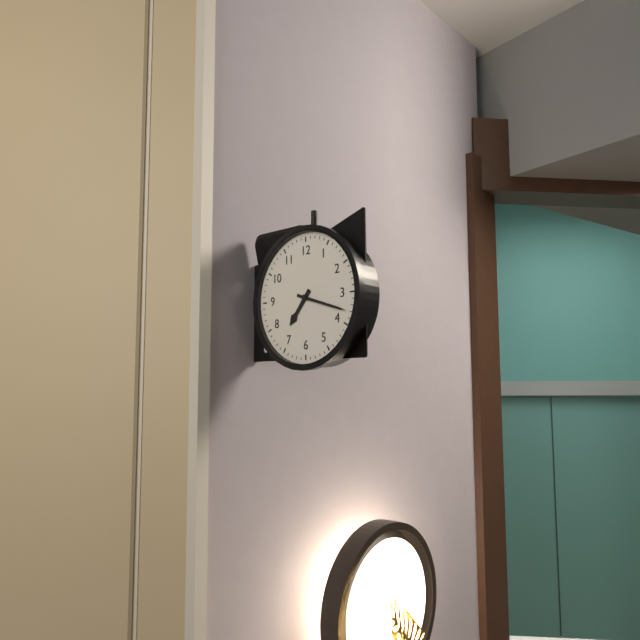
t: 7:18
